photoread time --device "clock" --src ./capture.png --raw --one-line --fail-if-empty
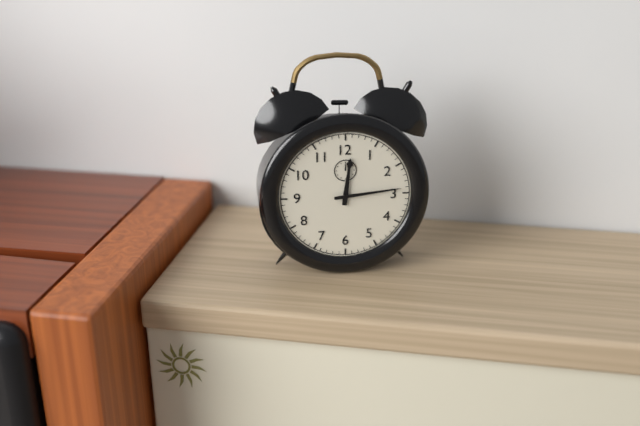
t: 12:14
